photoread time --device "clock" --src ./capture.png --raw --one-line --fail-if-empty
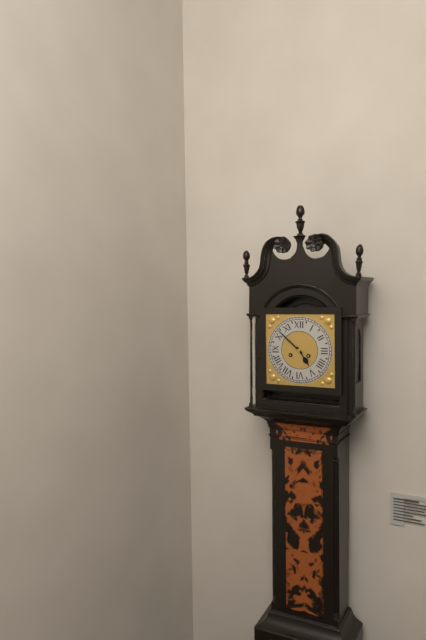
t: 4:52
